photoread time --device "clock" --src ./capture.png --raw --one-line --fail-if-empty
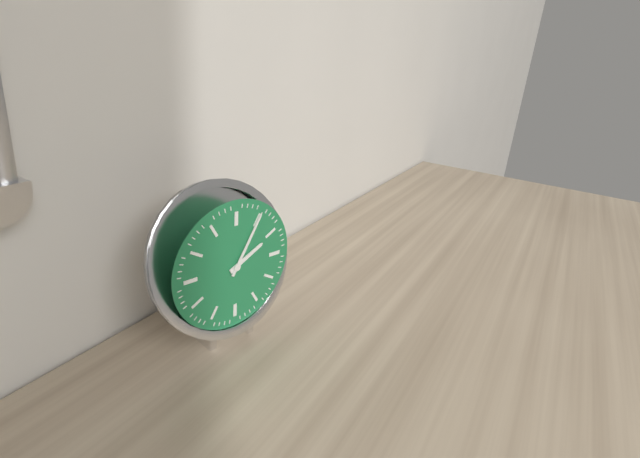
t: 2:05
